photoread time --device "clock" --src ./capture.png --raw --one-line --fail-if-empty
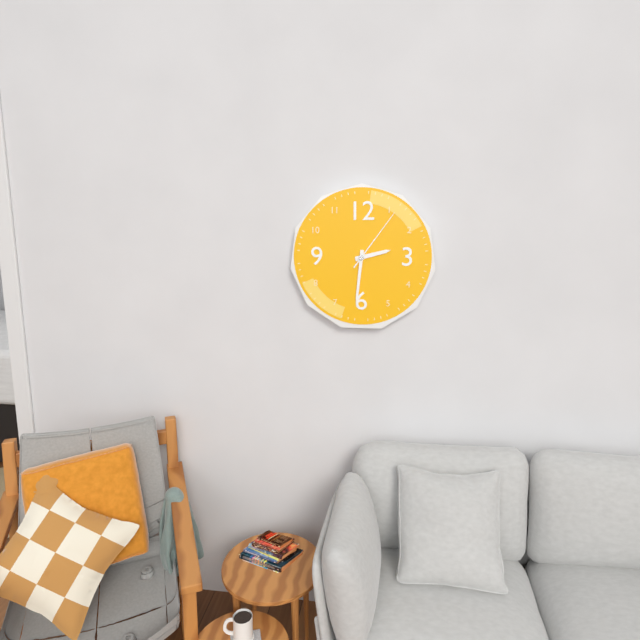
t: 2:31:06
